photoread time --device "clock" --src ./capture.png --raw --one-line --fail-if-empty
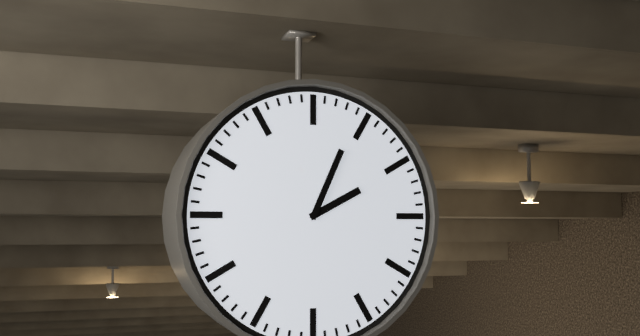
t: 2:04
